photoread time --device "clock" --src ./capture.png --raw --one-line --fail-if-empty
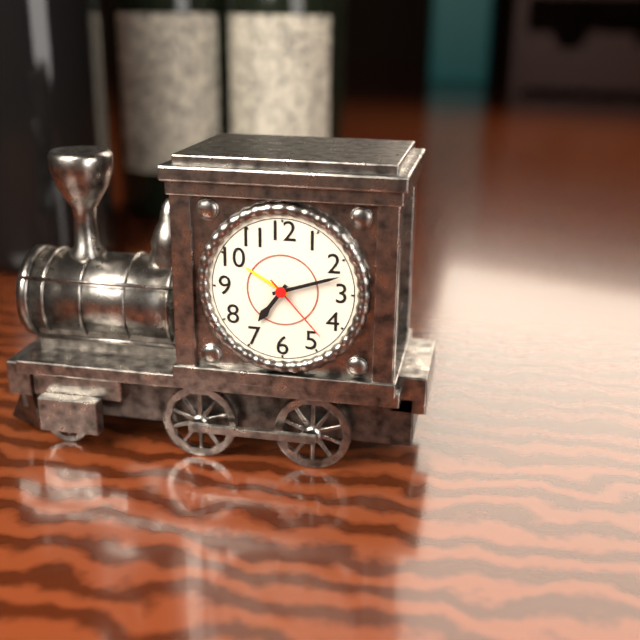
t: 7:12:23
